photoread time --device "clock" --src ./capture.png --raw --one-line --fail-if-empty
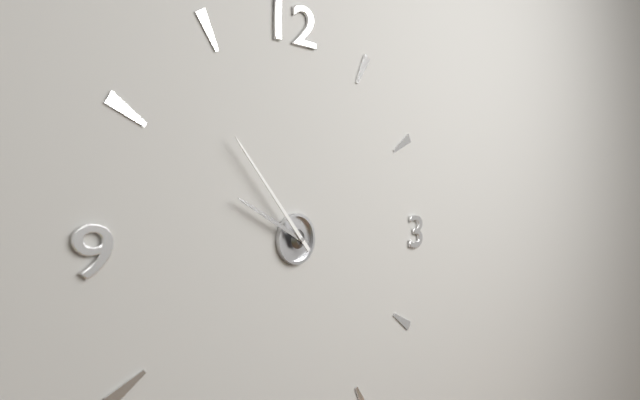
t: 9:53
